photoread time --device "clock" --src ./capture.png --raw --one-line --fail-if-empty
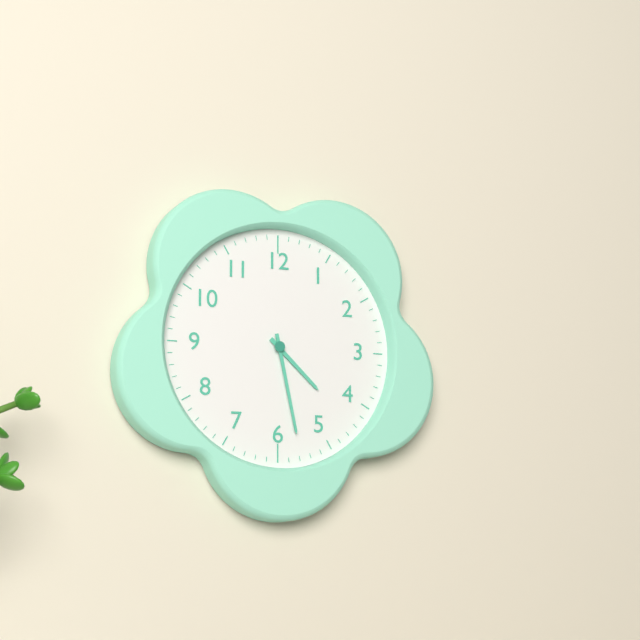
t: 4:28
